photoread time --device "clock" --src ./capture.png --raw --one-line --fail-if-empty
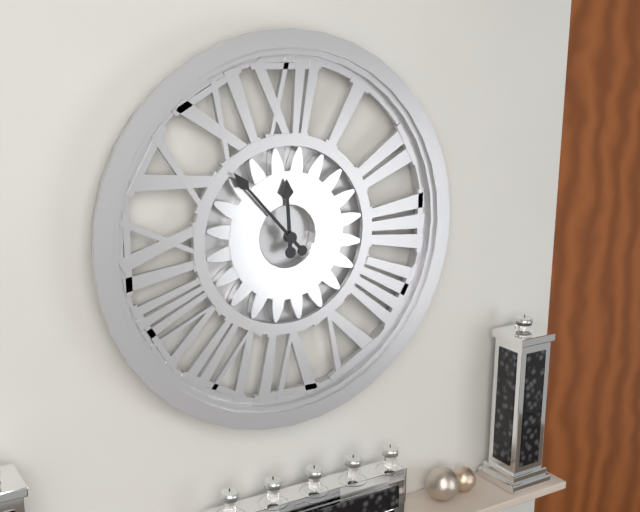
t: 11:53
